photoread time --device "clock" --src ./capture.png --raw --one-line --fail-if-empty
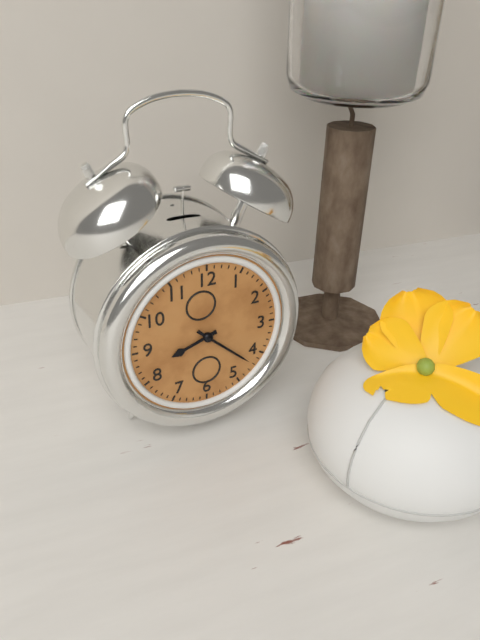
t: 8:22
